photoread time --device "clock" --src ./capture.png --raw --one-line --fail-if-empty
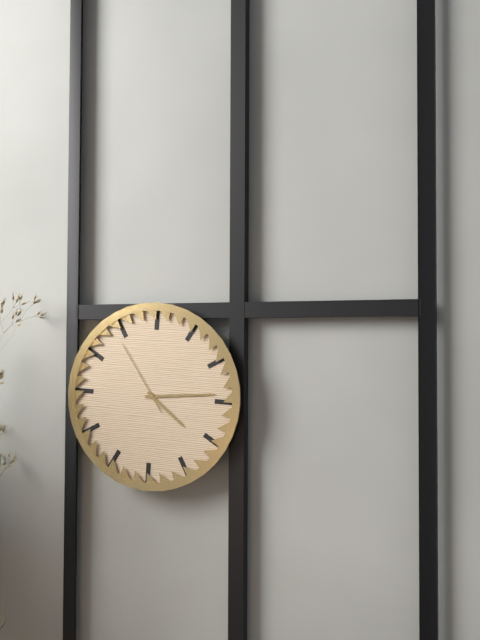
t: 4:14:54
